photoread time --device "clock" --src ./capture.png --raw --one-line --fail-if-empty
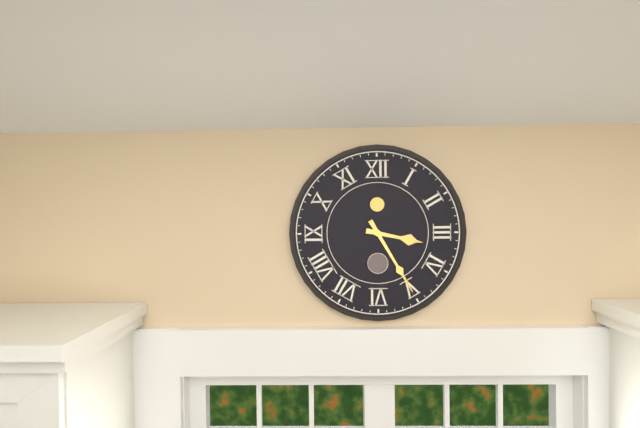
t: 3:25
